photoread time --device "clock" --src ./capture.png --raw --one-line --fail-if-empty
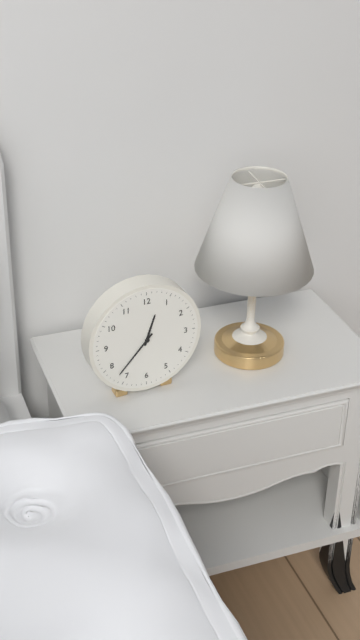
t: 12:37
